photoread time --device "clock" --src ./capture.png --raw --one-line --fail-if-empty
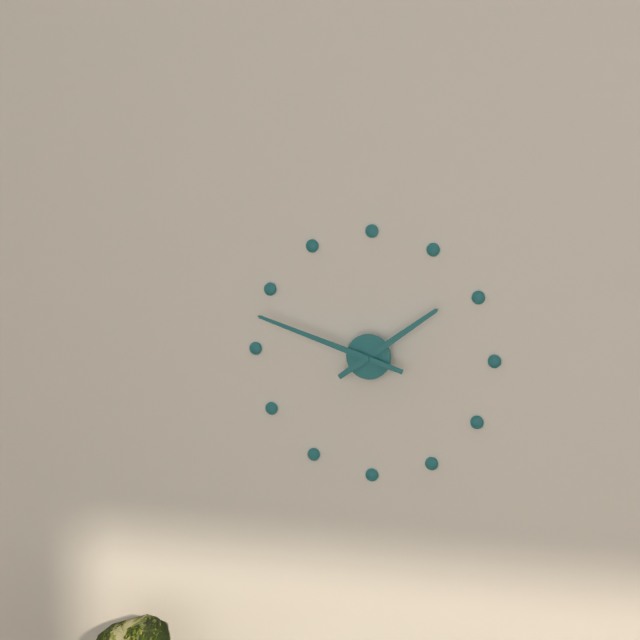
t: 1:48
